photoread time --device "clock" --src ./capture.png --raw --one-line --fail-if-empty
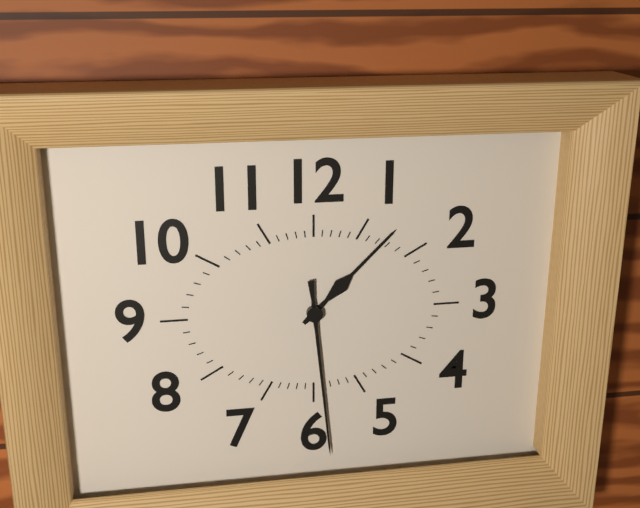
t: 1:29
